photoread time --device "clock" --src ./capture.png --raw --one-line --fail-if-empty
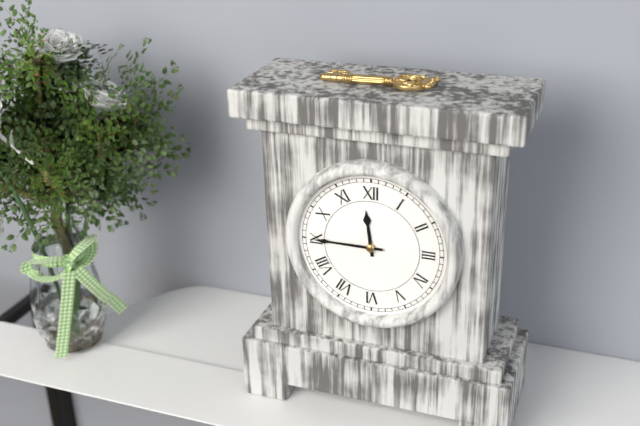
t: 11:45
